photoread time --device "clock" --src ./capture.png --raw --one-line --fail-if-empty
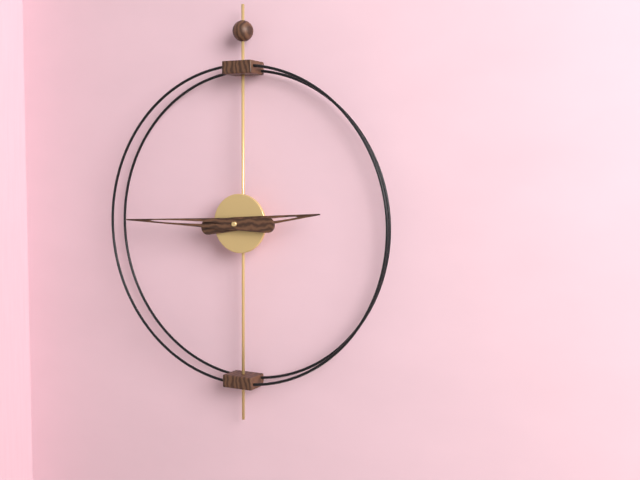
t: 2:45
